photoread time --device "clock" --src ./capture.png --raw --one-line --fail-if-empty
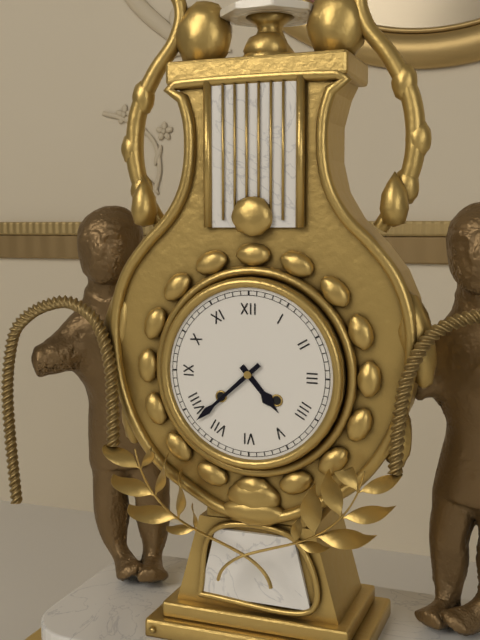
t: 4:38
